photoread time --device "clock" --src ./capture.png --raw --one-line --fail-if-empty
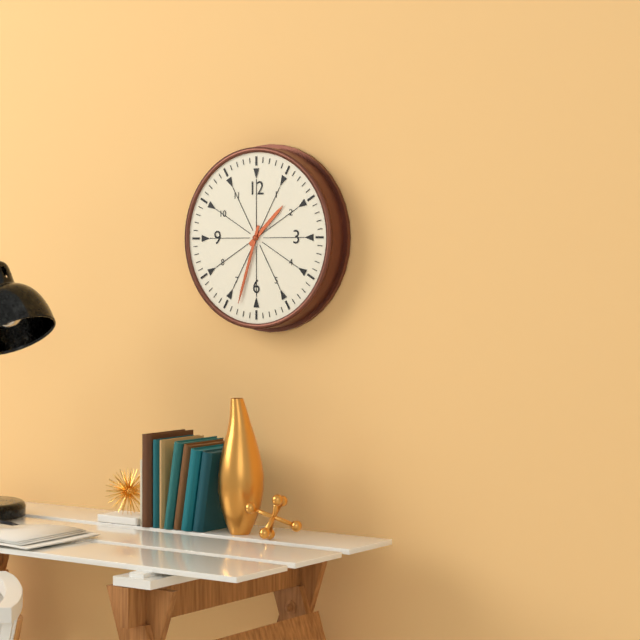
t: 1:33
